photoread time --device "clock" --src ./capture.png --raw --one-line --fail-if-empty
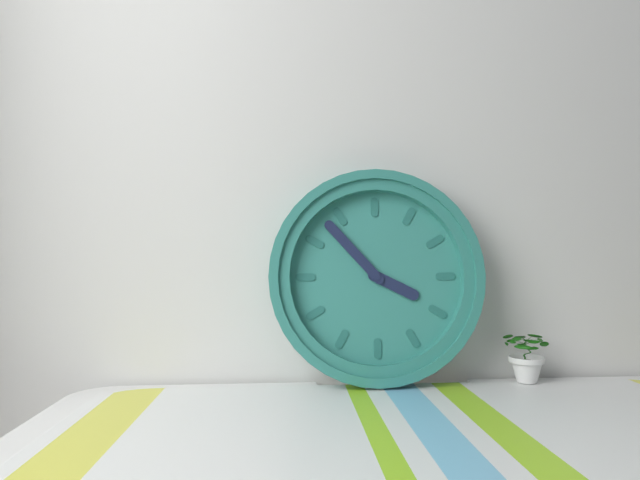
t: 3:53
